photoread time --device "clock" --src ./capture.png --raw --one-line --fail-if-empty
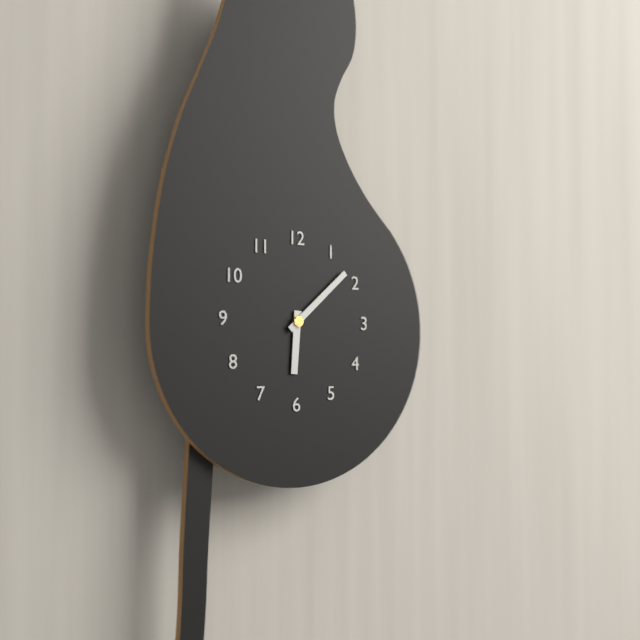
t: 6:08
